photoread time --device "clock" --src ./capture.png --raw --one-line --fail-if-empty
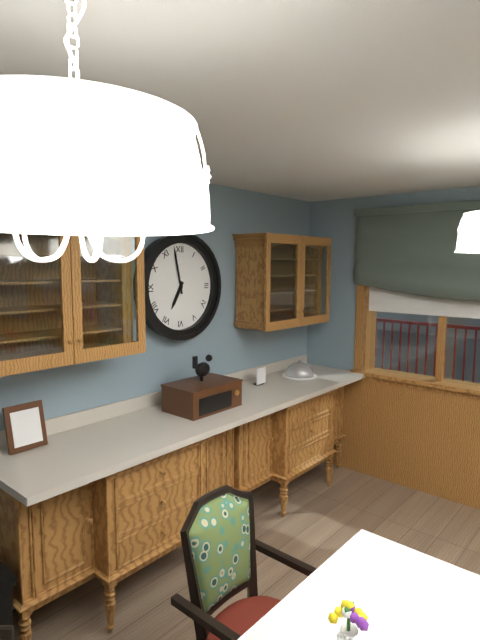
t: 6:58
